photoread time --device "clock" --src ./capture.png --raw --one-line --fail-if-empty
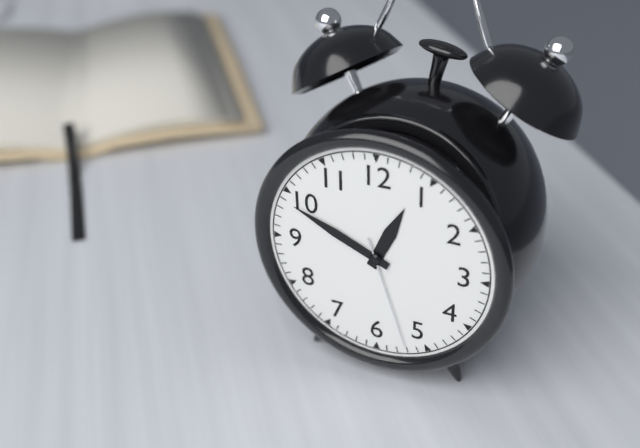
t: 12:49:27
